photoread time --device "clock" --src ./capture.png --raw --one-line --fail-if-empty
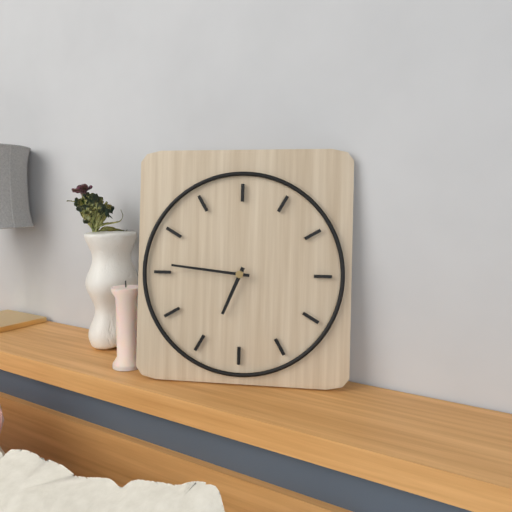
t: 6:46
